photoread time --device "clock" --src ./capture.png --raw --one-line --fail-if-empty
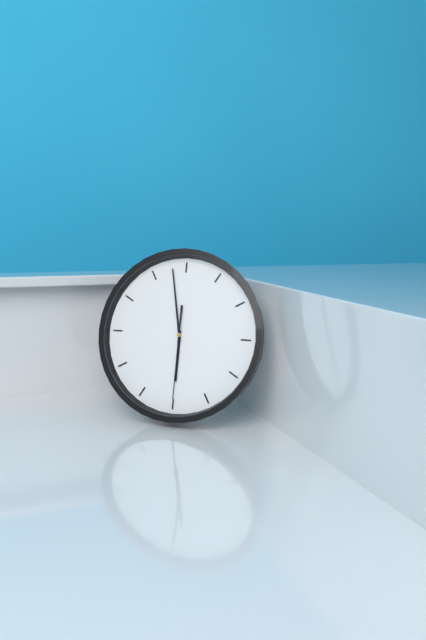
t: 5:58:30
